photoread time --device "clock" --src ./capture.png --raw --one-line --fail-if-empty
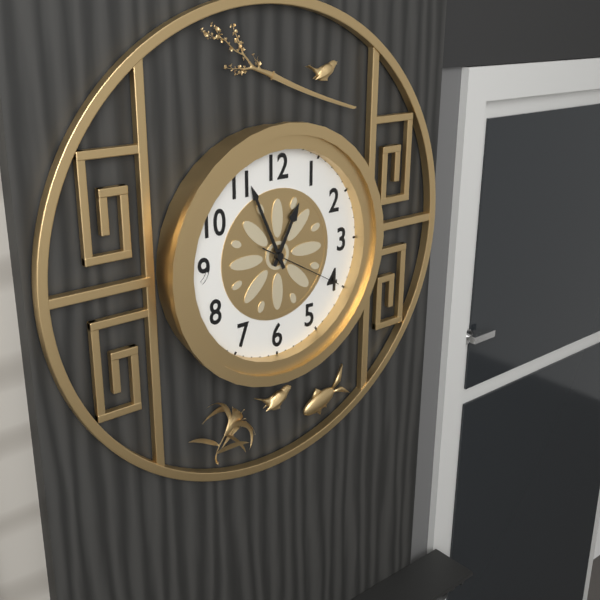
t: 12:56:20
